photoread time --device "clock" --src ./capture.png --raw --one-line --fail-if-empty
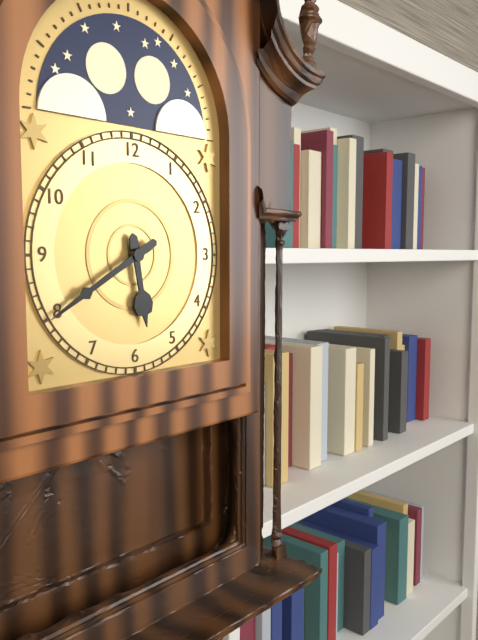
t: 5:40
